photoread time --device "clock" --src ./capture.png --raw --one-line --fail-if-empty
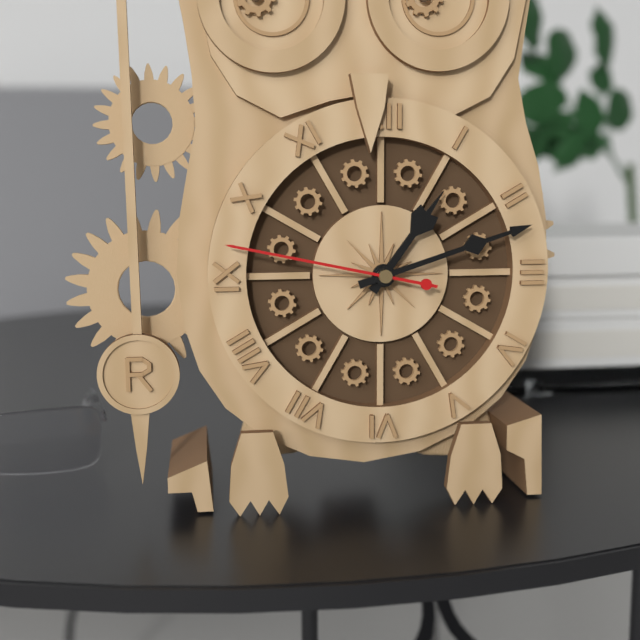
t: 1:12:47
